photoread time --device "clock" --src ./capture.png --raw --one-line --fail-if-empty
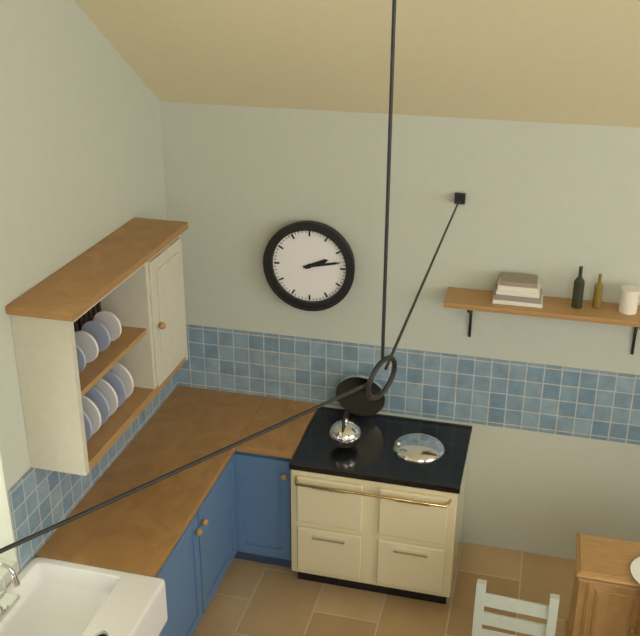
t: 2:13
